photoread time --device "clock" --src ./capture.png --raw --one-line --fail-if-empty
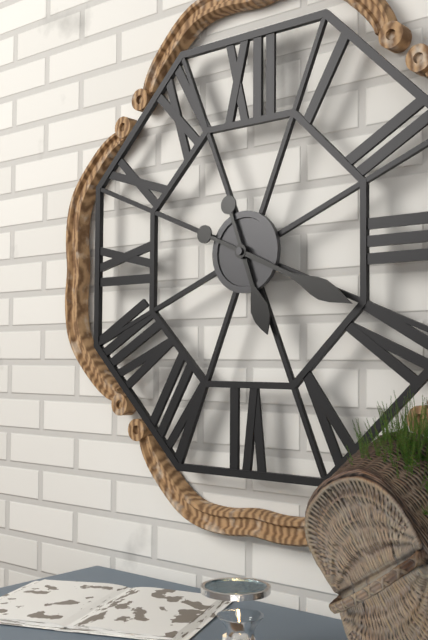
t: 5:19
